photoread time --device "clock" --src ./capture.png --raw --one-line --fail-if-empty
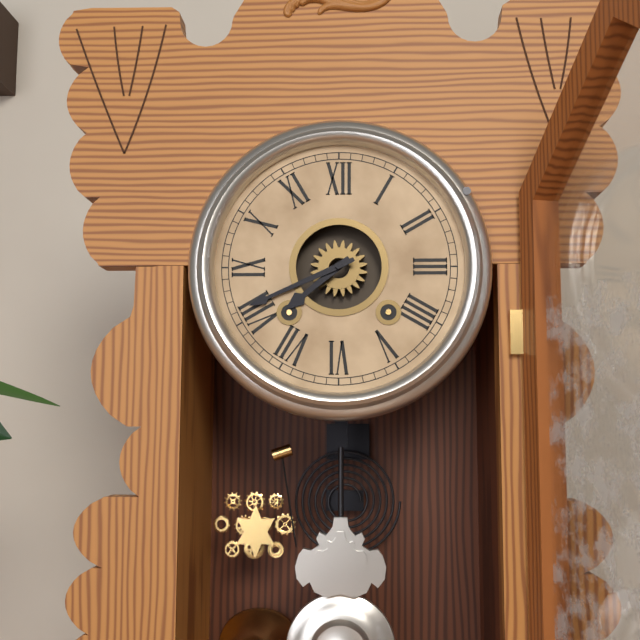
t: 7:41
